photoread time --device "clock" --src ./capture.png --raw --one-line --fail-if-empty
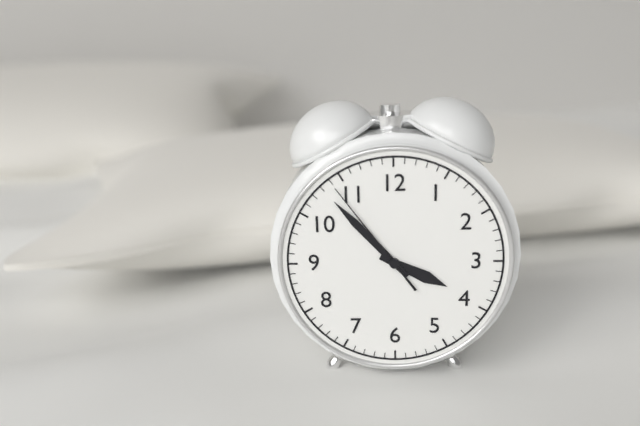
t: 3:53:54
